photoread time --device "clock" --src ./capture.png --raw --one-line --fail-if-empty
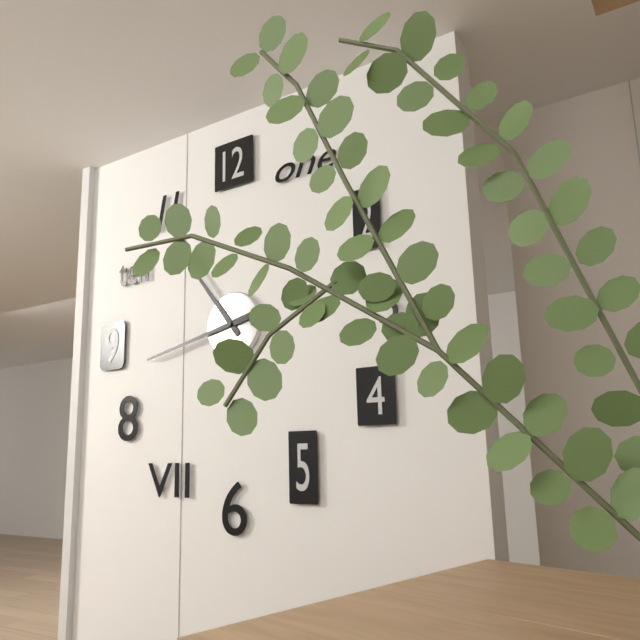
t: 10:43
